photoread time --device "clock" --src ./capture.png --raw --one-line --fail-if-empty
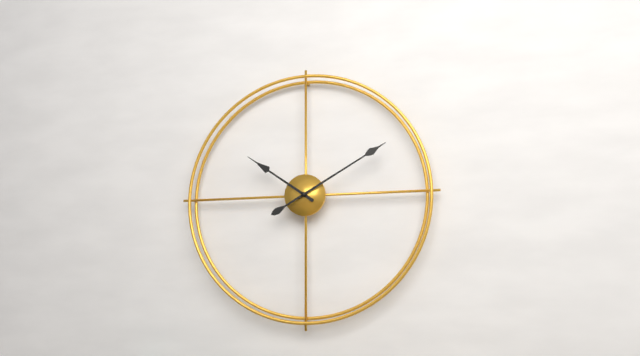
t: 10:10
